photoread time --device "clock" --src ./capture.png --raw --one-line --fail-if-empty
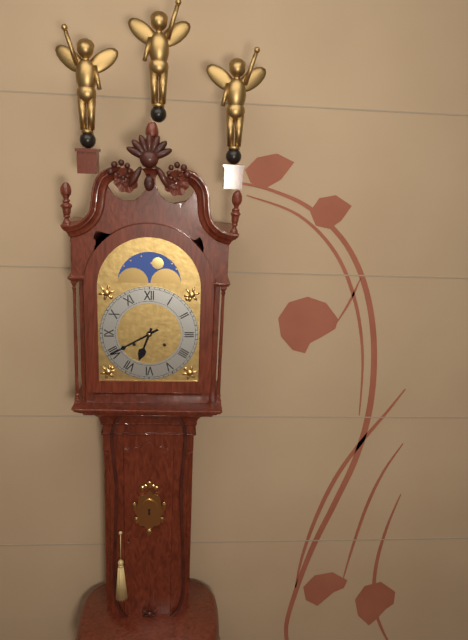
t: 6:40
